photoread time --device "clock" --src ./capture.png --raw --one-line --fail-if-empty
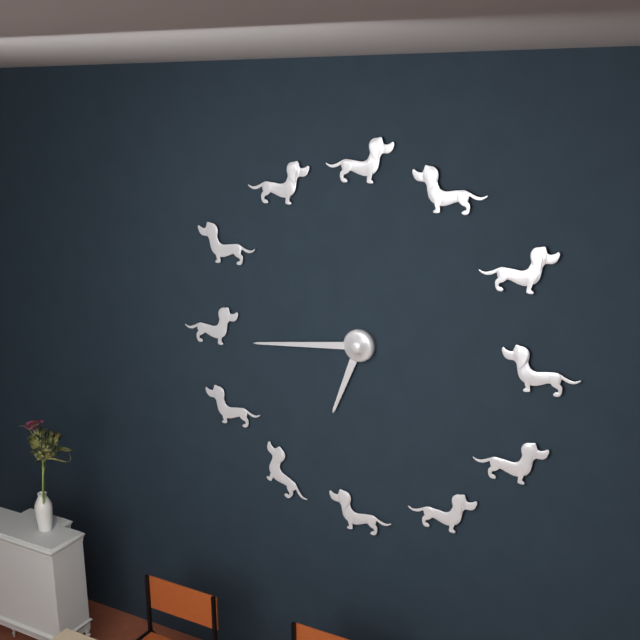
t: 6:44
